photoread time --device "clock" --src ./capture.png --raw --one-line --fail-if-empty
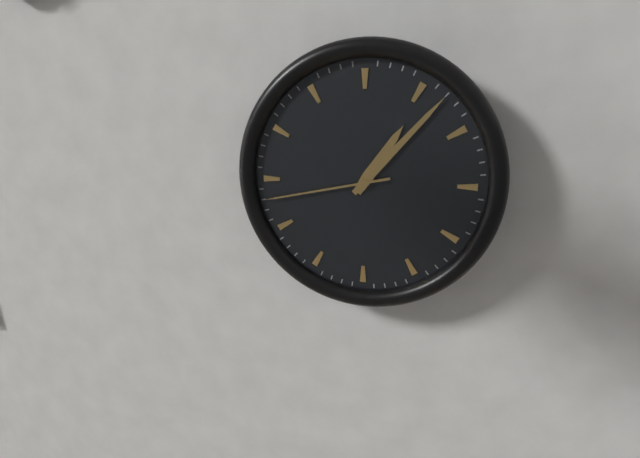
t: 1:07:43
